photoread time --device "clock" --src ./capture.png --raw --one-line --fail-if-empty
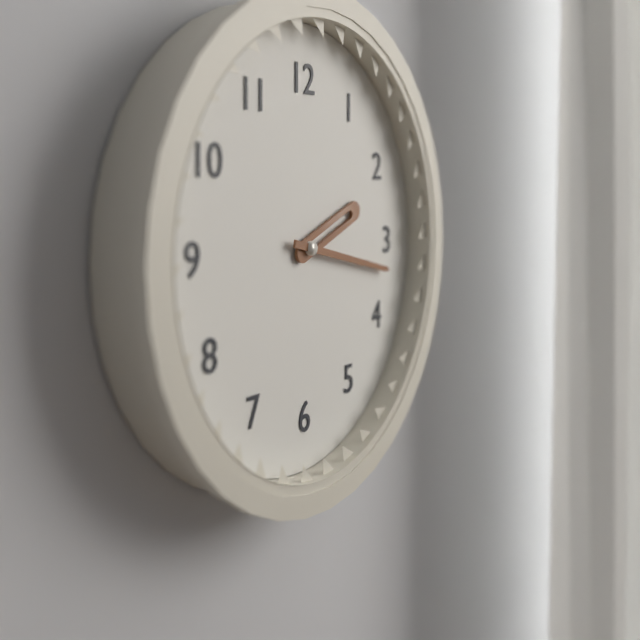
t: 2:17
